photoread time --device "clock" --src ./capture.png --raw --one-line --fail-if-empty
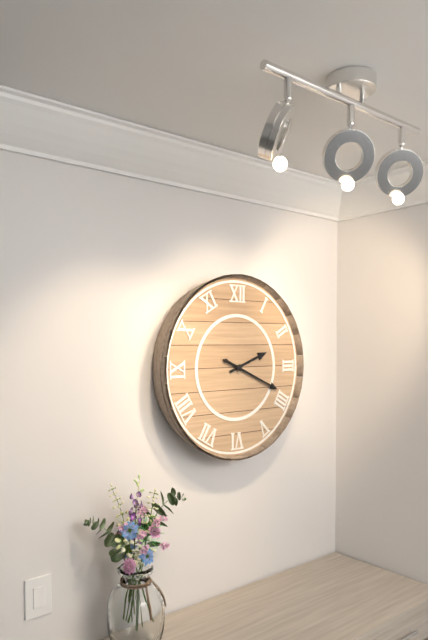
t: 2:19
